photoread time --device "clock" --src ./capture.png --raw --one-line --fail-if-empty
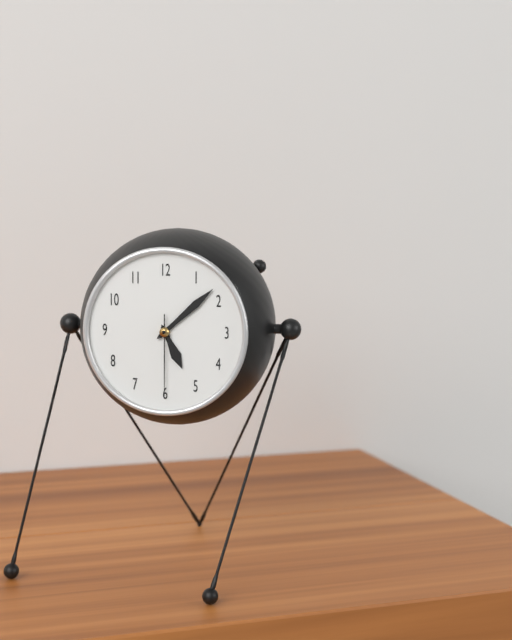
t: 5:08:30
